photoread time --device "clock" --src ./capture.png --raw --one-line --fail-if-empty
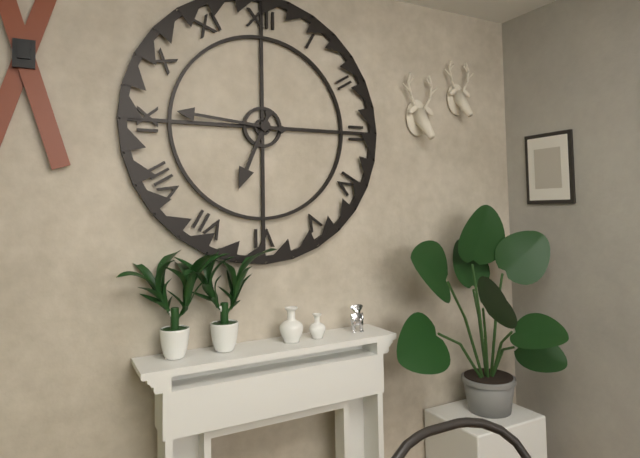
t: 6:46
